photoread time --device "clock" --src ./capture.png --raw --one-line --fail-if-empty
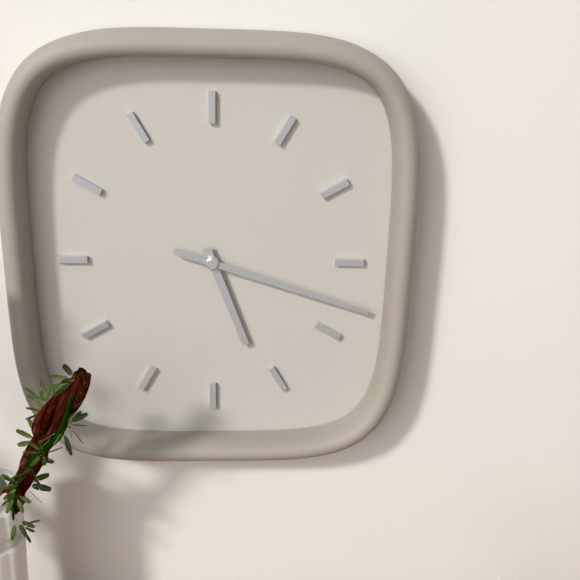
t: 5:18
